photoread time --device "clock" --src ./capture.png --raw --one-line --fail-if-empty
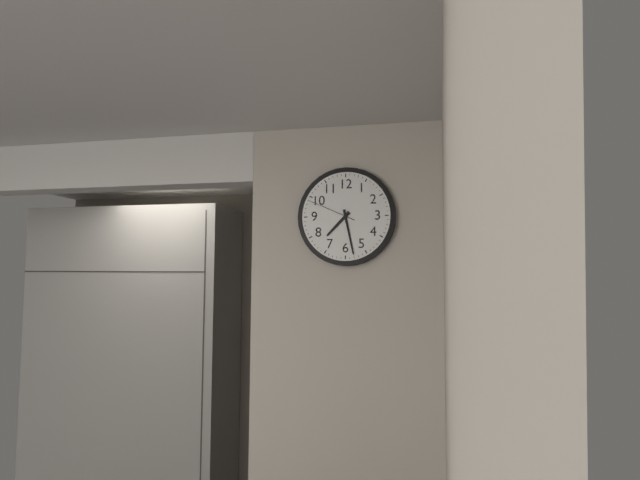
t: 7:28:49
